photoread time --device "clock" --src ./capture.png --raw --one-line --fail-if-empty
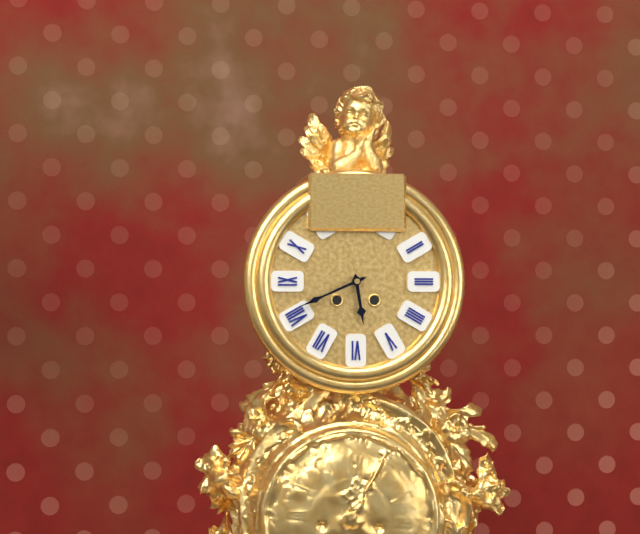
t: 5:41
